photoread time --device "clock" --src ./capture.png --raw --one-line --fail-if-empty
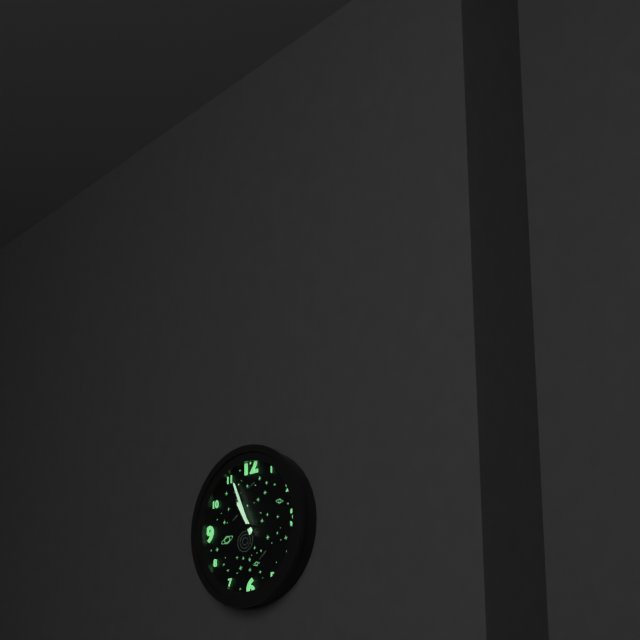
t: 10:56
